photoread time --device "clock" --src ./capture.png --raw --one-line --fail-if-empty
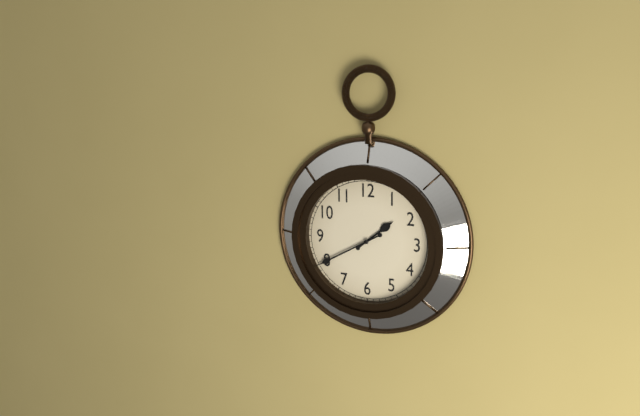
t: 1:40
